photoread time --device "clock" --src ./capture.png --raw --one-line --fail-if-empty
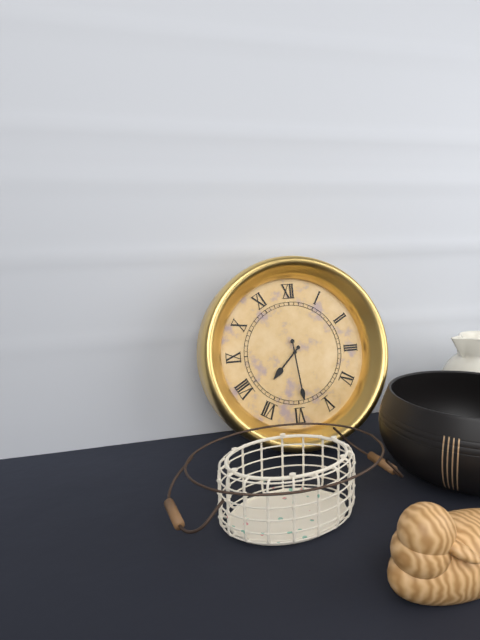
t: 7:29
